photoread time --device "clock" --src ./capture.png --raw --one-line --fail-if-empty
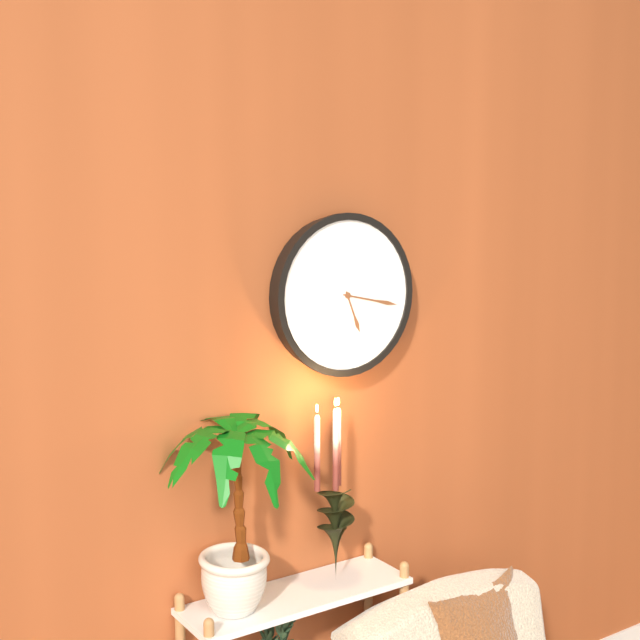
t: 5:17
